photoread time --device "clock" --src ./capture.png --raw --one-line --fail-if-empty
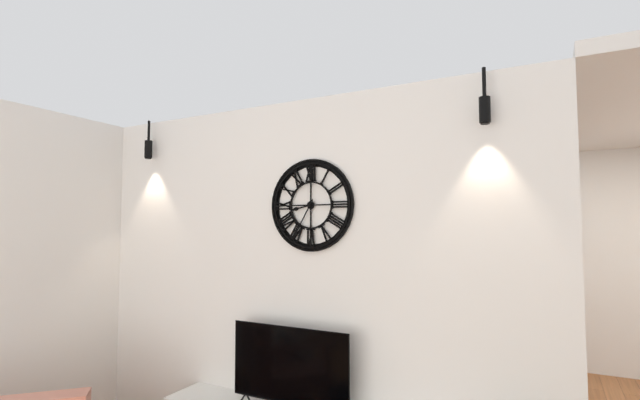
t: 8:35
